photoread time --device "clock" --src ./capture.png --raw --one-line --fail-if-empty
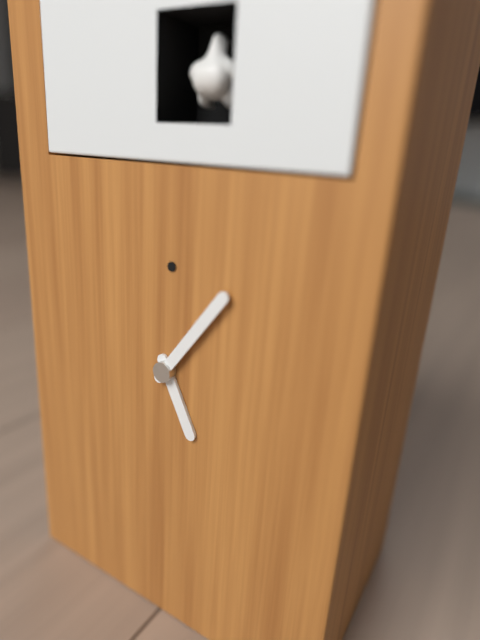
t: 5:06
